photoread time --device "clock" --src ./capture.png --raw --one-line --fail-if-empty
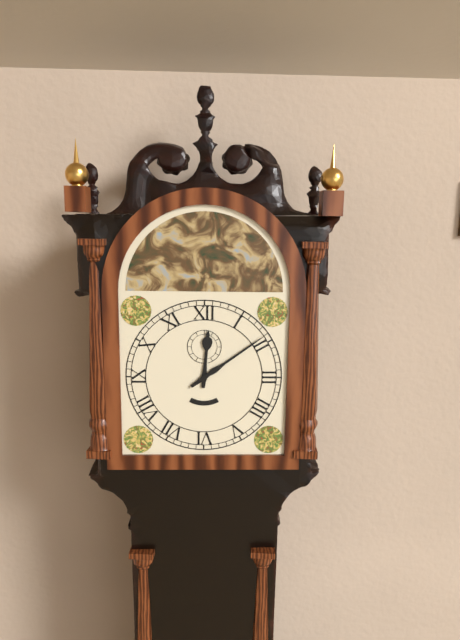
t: 12:09
